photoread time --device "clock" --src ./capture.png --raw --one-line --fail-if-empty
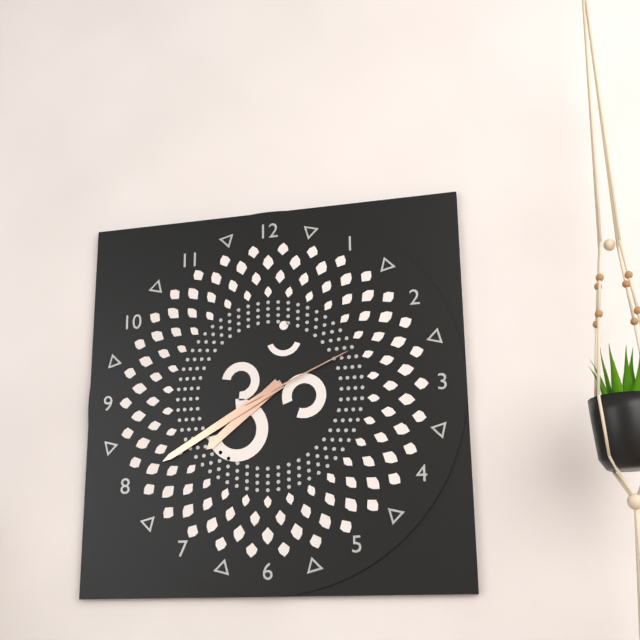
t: 7:40:11
